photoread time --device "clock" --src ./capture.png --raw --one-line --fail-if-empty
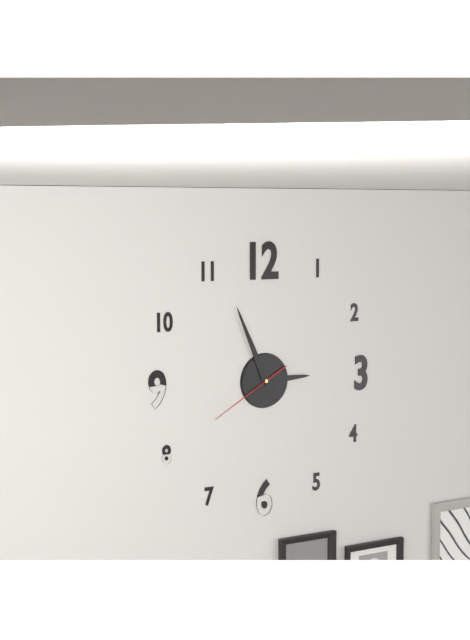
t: 2:56:40
